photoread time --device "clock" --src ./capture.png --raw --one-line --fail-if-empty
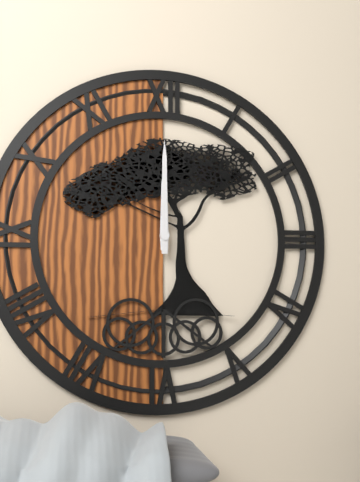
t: 12:00
